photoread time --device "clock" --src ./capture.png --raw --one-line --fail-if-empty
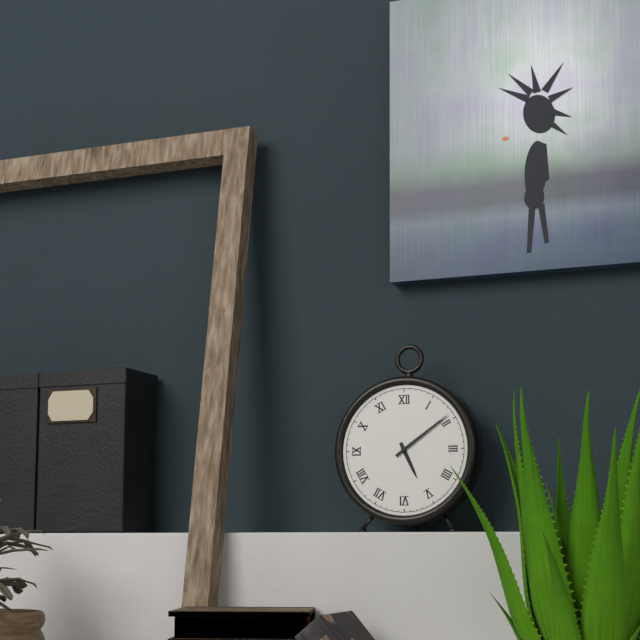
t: 5:09
